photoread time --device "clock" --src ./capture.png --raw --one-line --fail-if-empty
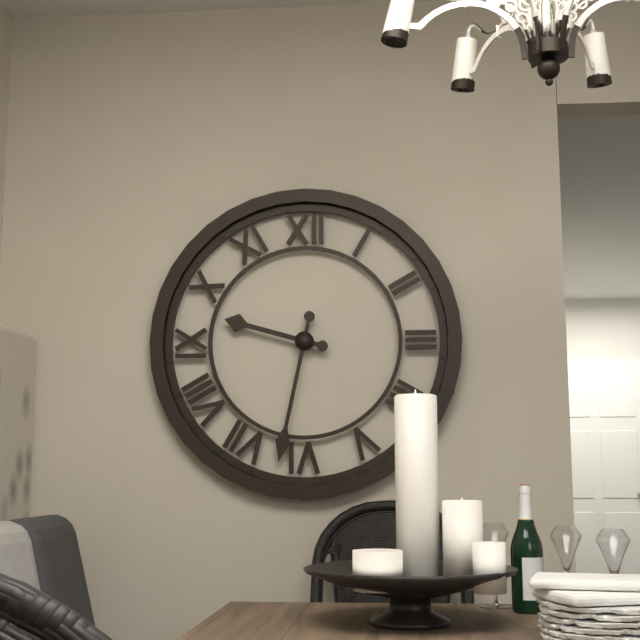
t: 9:32
